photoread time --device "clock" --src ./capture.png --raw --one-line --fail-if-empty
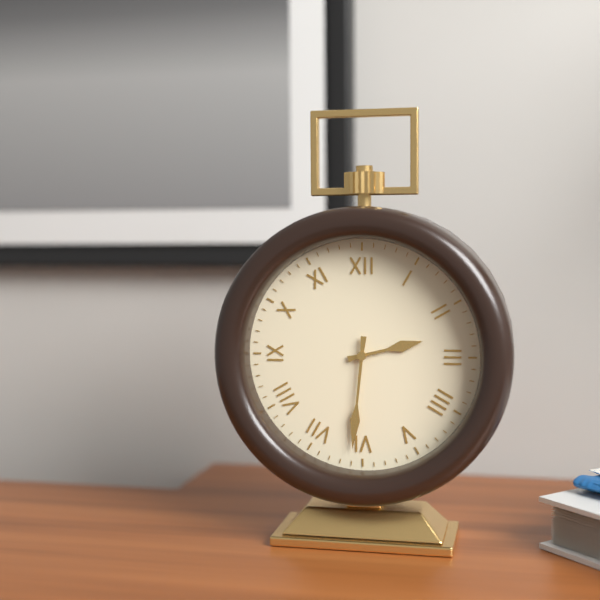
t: 2:31
